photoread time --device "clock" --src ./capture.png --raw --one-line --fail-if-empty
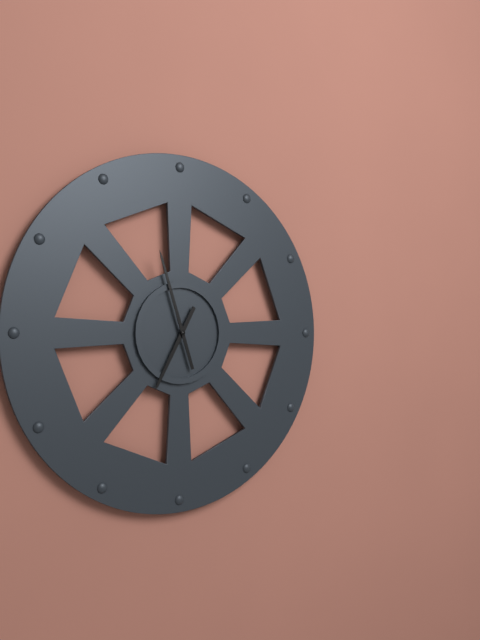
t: 6:57
